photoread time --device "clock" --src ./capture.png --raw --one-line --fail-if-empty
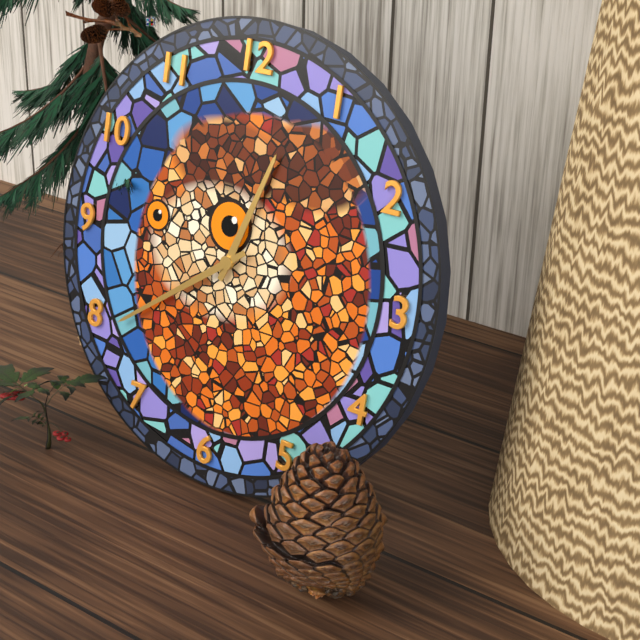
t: 12:39
